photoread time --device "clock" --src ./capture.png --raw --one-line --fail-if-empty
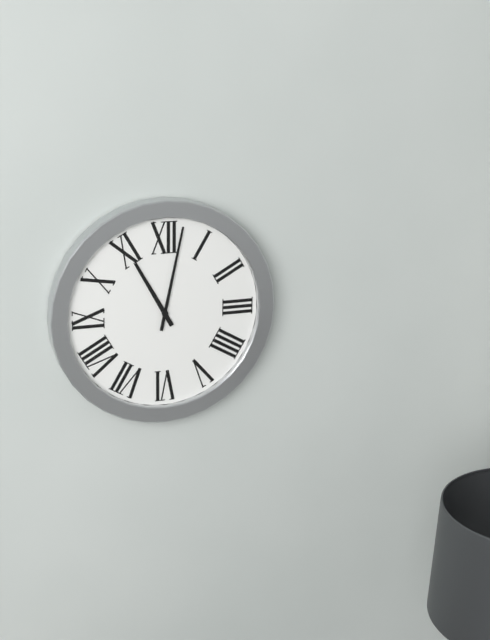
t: 11:02
